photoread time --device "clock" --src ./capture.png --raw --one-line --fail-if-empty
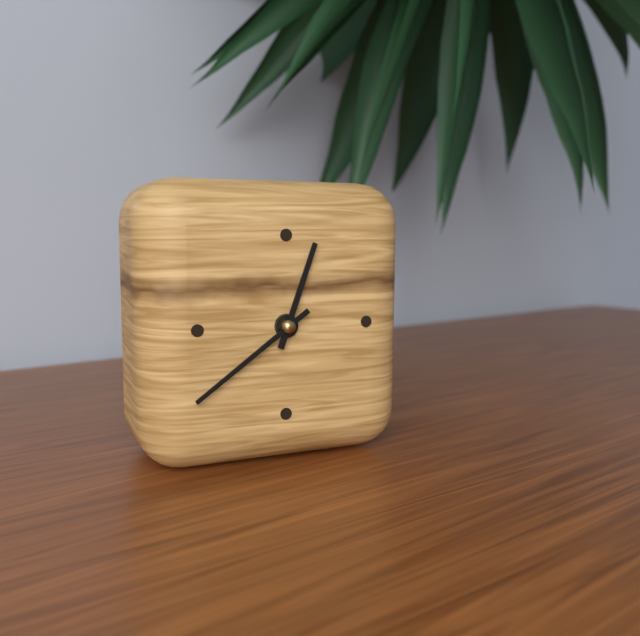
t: 12:39
